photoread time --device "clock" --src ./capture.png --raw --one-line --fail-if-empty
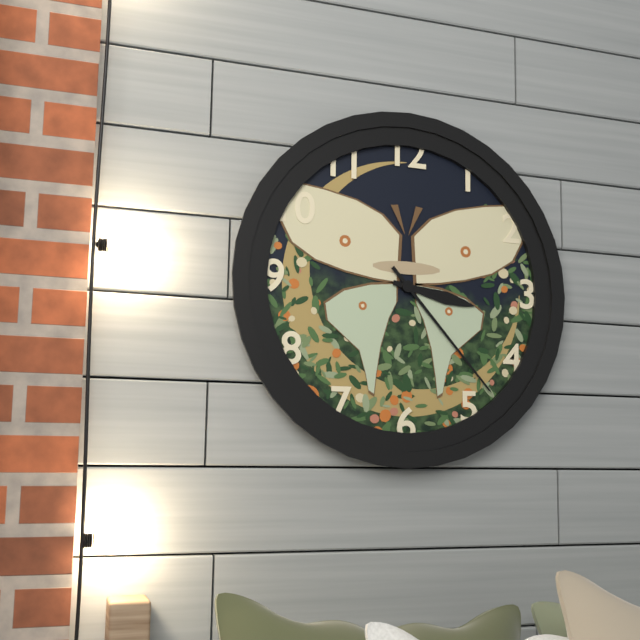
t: 3:23
